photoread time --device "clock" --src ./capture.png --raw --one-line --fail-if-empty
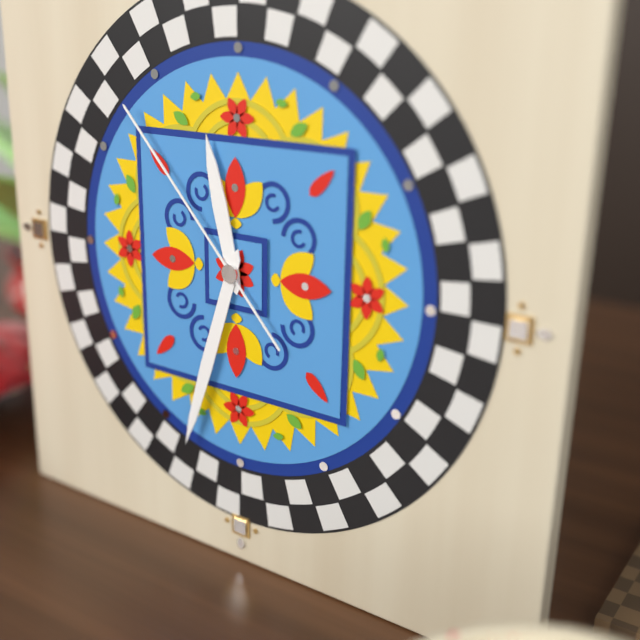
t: 11:33:53
